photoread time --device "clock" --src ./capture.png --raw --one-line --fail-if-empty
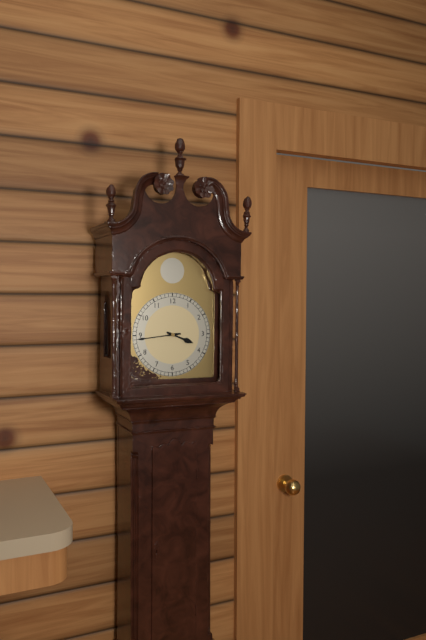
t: 3:44
